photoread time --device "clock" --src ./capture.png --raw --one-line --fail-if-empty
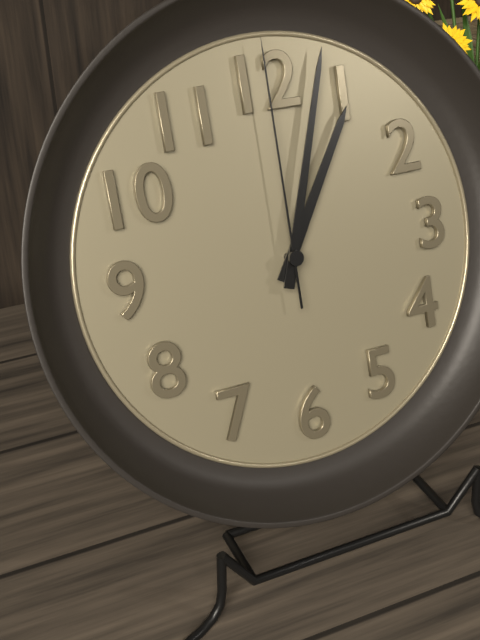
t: 1:03:00
